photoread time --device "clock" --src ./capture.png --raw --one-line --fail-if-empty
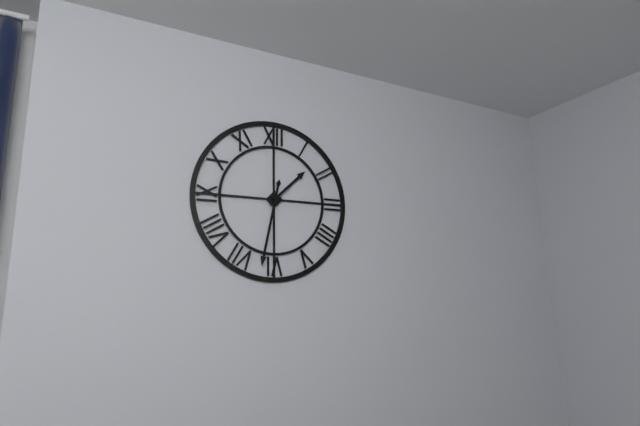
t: 1:32
